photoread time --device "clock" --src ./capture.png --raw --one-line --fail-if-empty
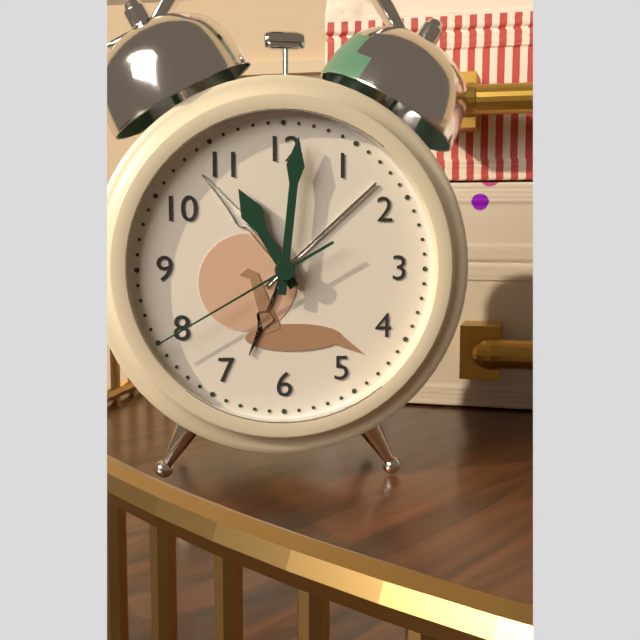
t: 11:01:40
